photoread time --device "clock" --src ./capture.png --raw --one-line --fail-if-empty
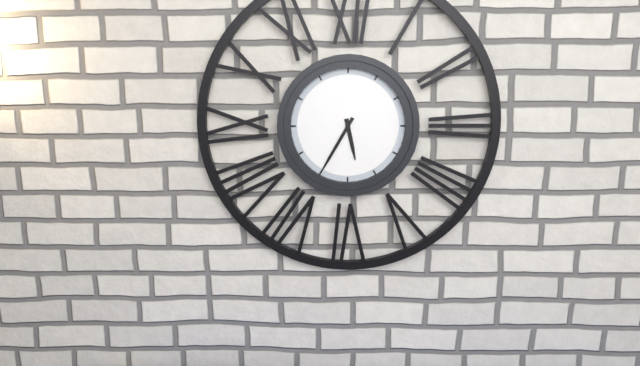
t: 5:35
